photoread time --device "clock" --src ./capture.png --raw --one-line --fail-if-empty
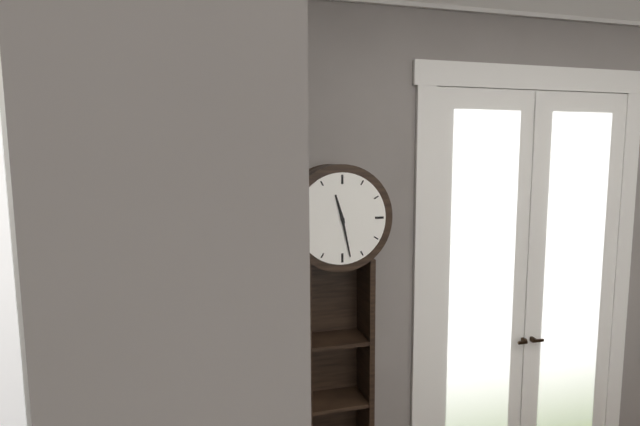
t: 11:28
